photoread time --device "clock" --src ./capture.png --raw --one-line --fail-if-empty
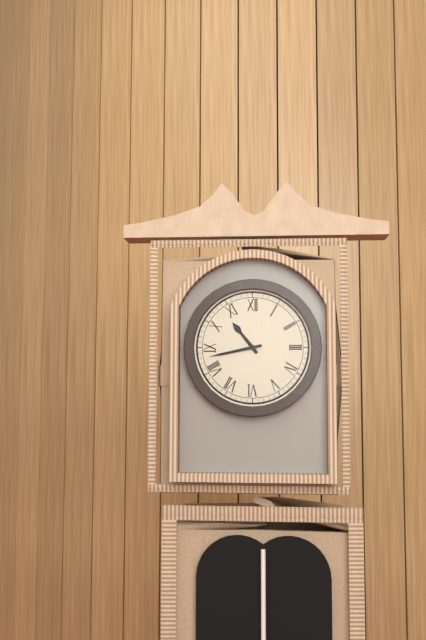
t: 10:43
